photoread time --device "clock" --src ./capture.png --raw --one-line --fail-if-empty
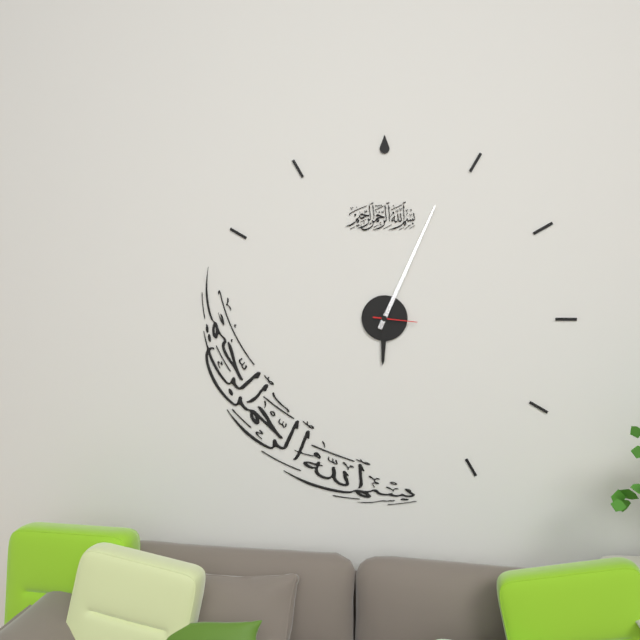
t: 6:04
